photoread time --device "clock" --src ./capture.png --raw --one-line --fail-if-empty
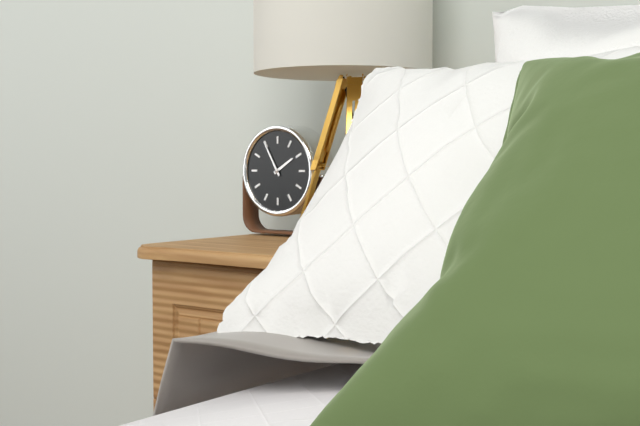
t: 1:55
